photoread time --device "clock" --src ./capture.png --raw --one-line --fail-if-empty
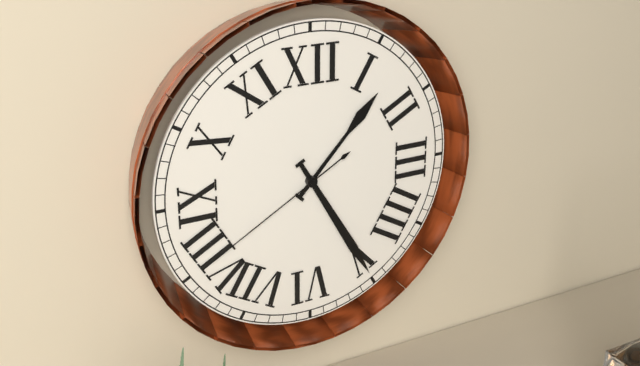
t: 1:25:40
